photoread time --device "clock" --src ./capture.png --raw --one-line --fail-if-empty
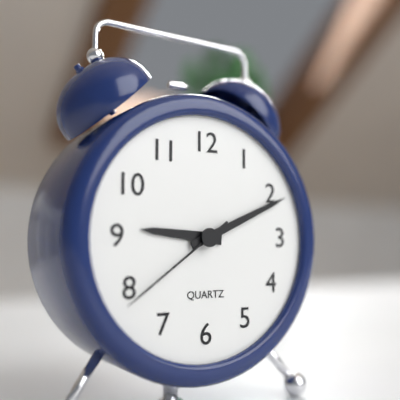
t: 9:11:39
